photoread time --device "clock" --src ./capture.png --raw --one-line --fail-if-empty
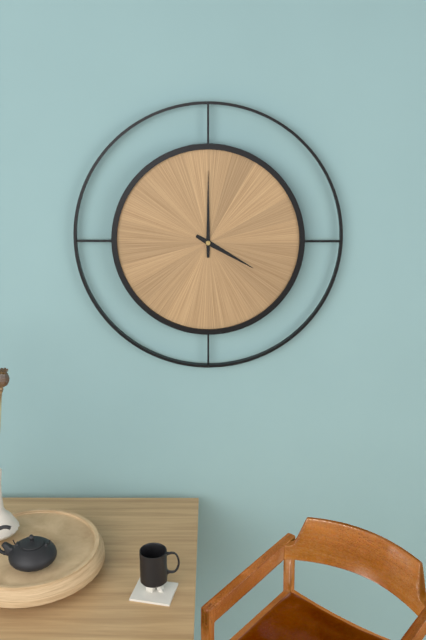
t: 4:00
